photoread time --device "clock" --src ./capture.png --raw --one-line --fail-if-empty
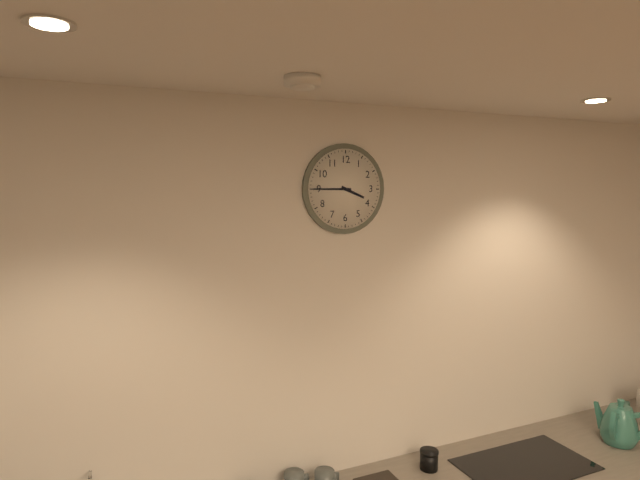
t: 3:45
